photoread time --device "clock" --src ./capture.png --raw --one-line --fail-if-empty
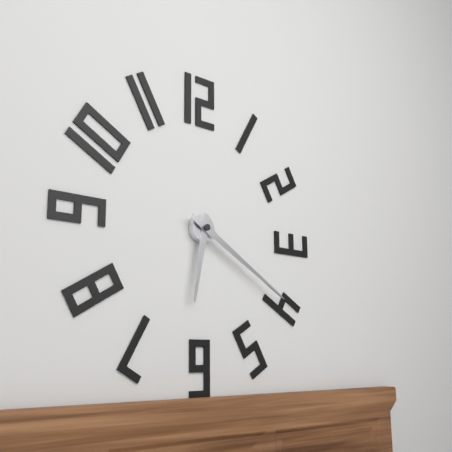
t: 6:20
